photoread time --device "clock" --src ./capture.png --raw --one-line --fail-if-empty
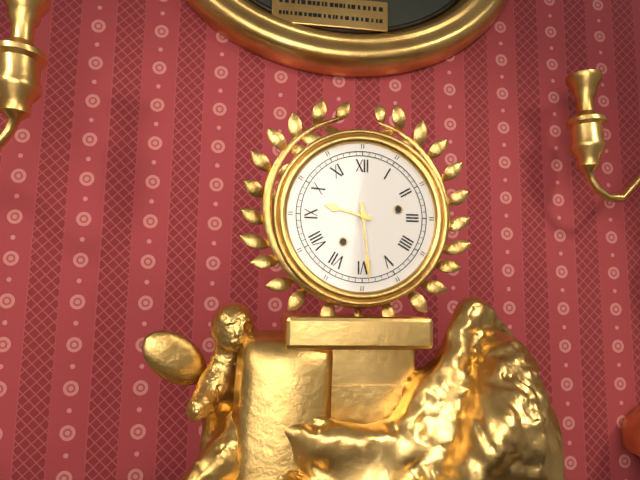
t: 9:29
